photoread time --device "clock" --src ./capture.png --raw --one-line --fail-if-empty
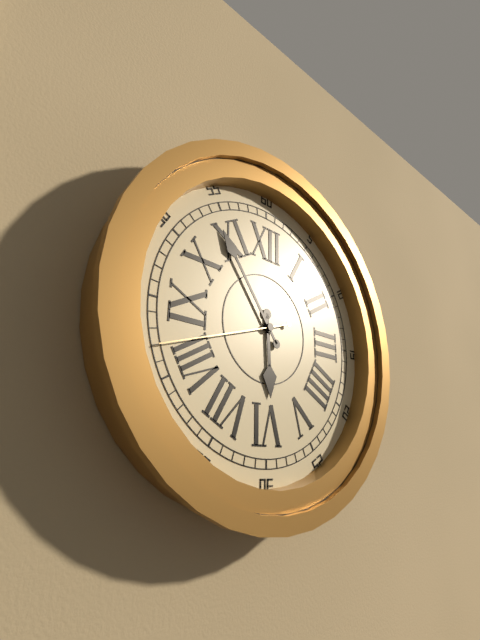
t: 5:54:42
